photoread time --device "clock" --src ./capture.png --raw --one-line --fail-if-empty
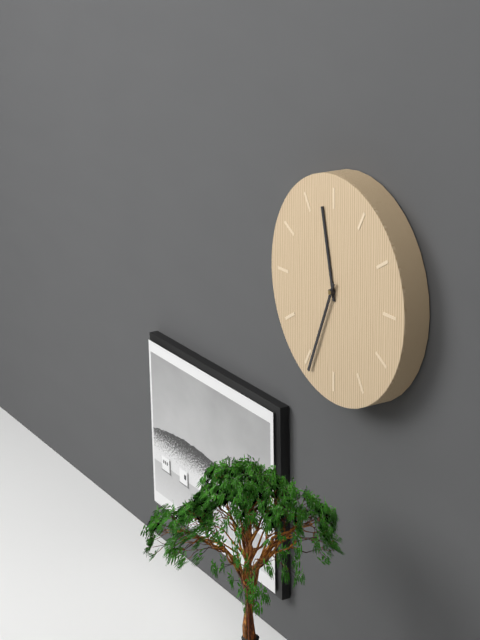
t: 11:34
